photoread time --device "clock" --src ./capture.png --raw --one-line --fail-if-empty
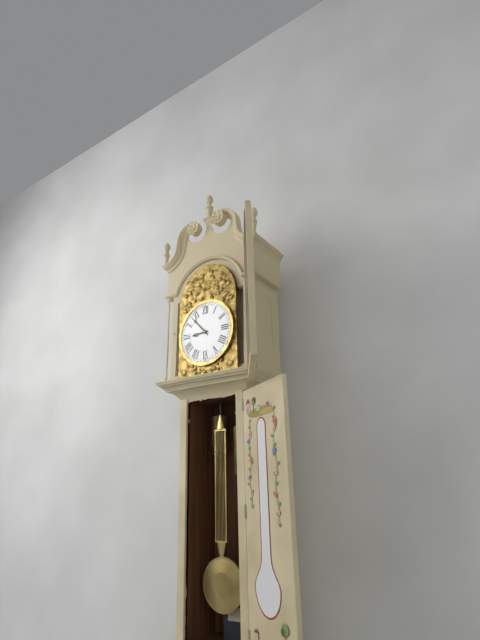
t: 8:53
